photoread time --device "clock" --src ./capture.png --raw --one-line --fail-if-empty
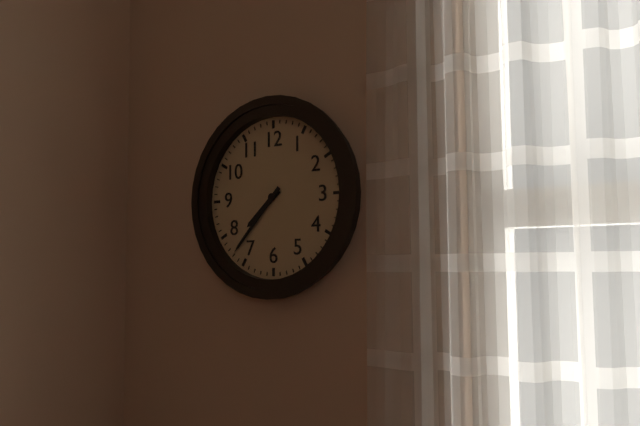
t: 7:37
